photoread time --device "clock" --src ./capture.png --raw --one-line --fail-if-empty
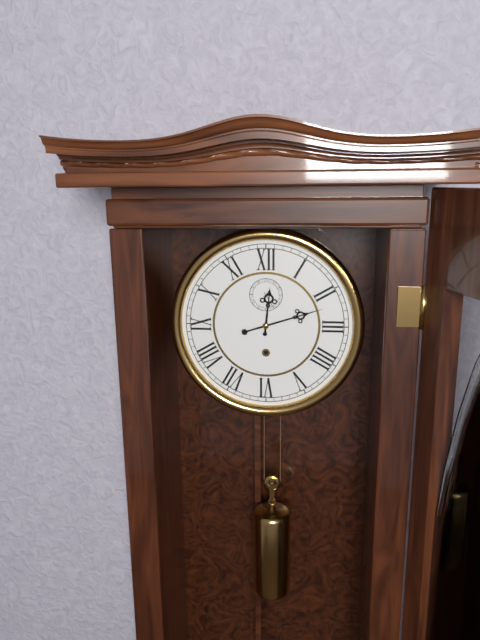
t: 12:12
